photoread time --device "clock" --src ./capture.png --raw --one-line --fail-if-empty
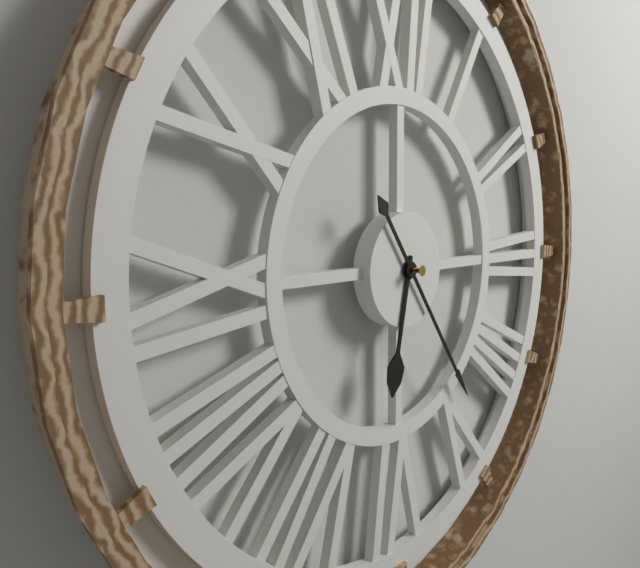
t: 6:24
